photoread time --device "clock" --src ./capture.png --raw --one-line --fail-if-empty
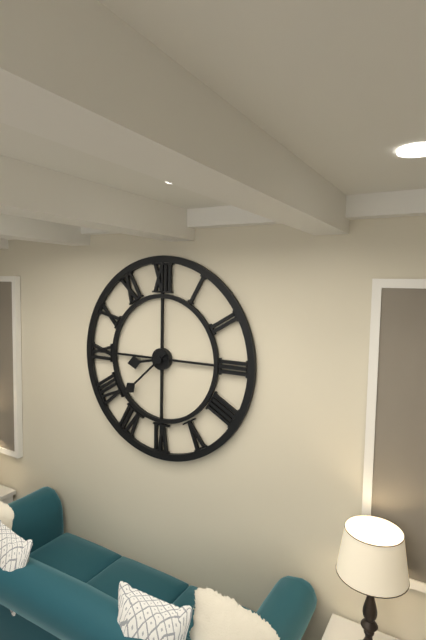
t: 8:38
